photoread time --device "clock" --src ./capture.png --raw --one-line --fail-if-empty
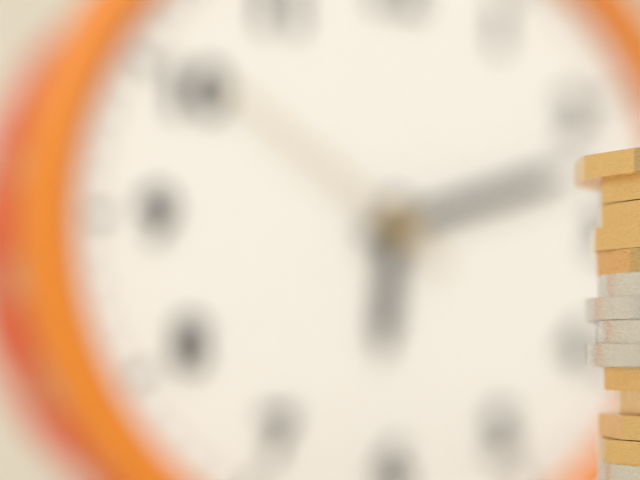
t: 6:12:51
